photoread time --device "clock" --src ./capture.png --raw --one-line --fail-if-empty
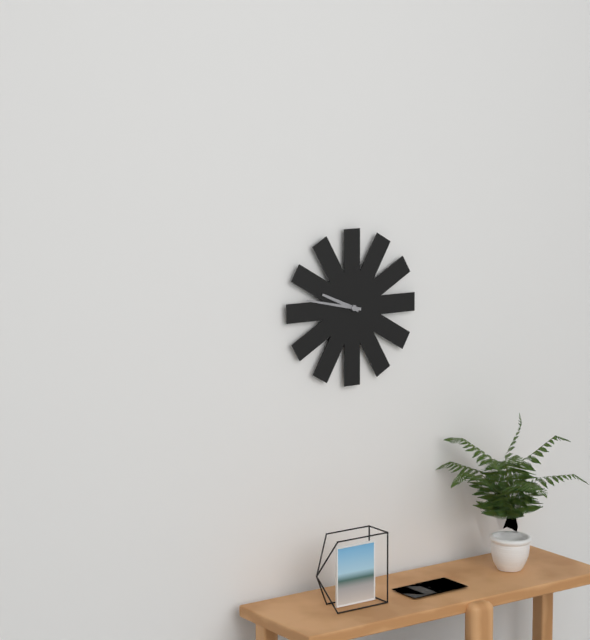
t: 9:47
